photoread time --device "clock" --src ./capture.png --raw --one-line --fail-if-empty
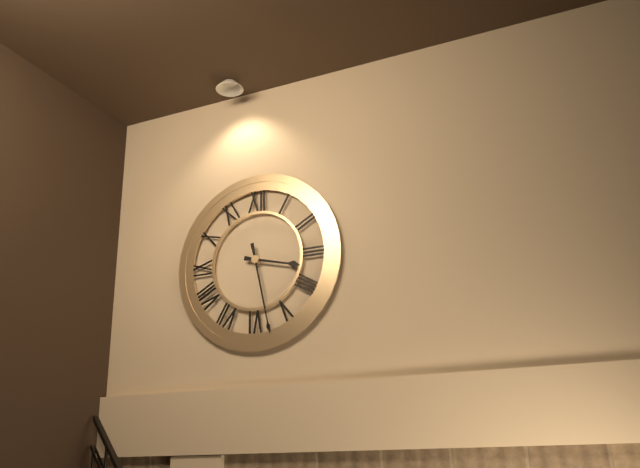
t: 3:28
